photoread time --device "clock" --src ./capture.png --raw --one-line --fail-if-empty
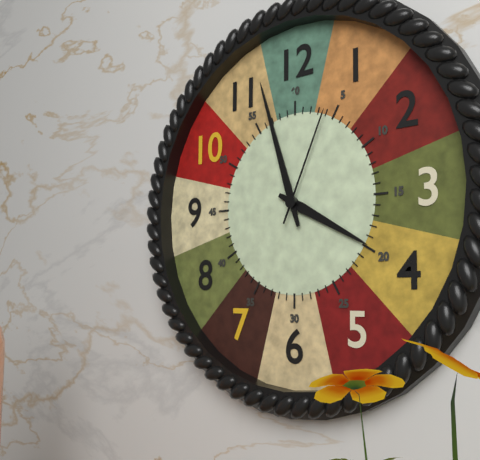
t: 3:57:04
